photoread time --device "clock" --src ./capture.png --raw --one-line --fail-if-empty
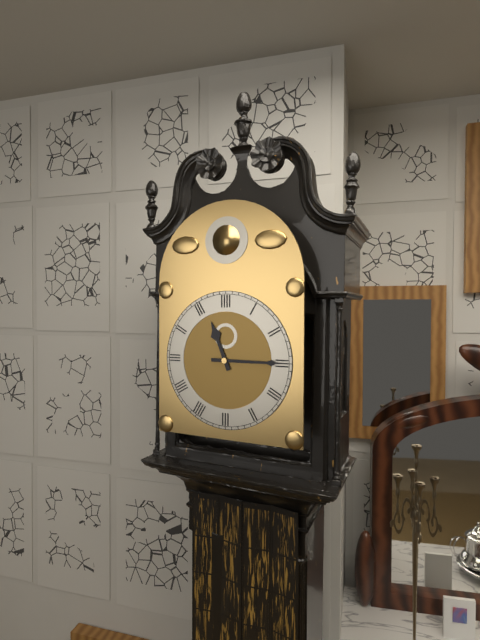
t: 11:15
